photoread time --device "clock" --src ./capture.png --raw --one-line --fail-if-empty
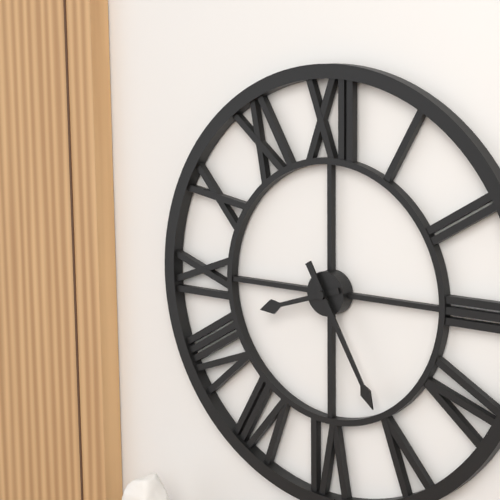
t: 8:25
